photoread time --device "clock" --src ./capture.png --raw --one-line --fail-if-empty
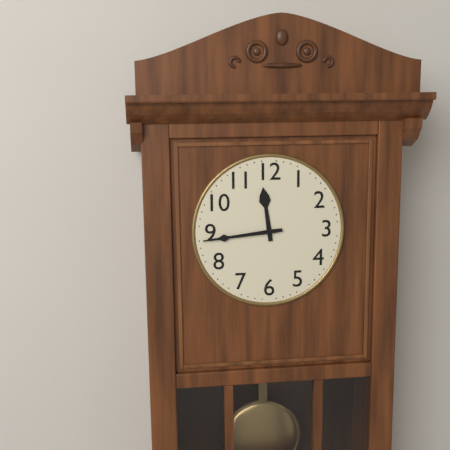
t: 11:44
